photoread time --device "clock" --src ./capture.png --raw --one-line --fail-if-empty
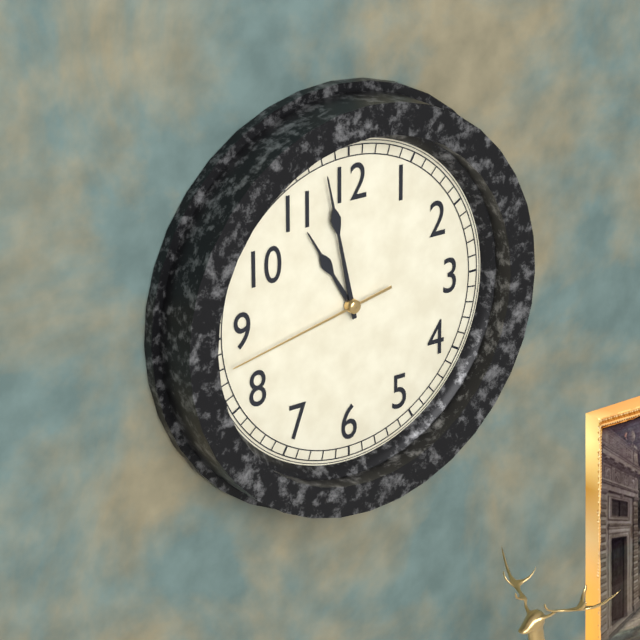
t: 10:58:43
